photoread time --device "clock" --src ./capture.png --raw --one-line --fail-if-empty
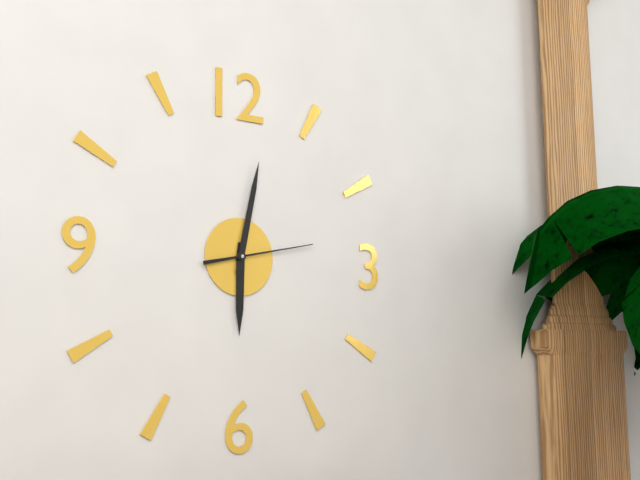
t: 6:02:13
